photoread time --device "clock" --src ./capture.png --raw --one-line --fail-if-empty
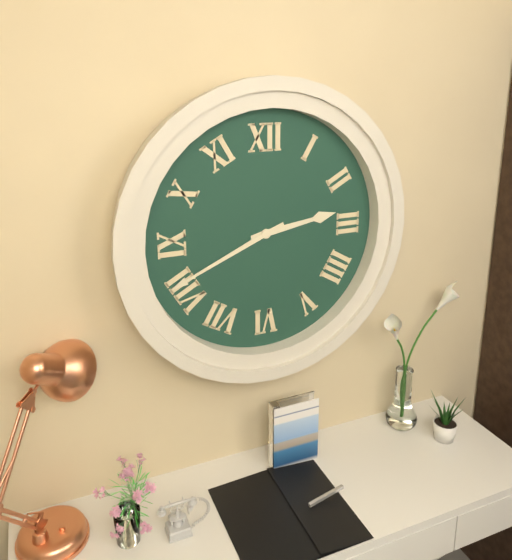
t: 2:41
